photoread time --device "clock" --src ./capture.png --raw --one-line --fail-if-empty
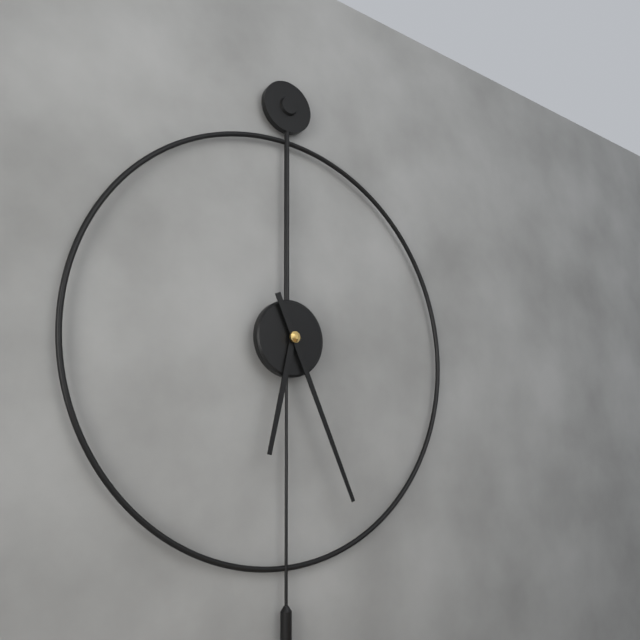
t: 6:26
